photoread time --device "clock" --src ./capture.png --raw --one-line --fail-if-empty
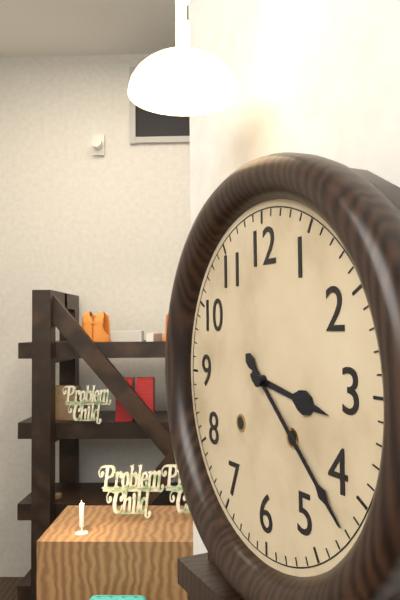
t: 3:22
